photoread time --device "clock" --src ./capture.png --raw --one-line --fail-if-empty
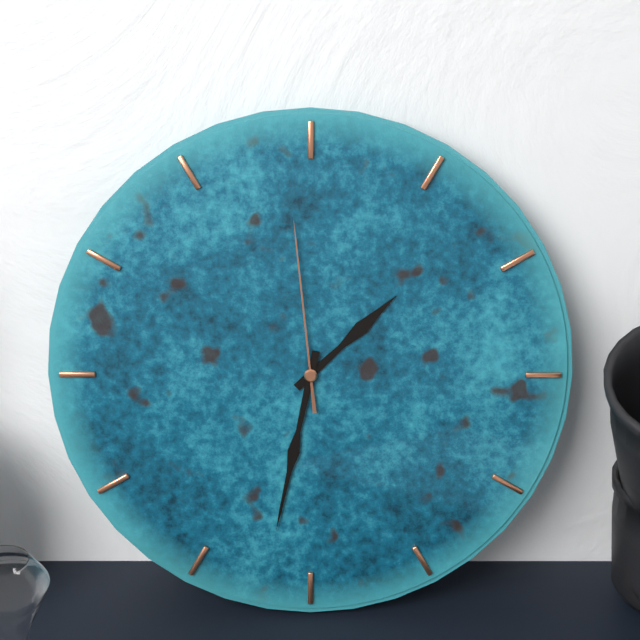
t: 1:32:59
